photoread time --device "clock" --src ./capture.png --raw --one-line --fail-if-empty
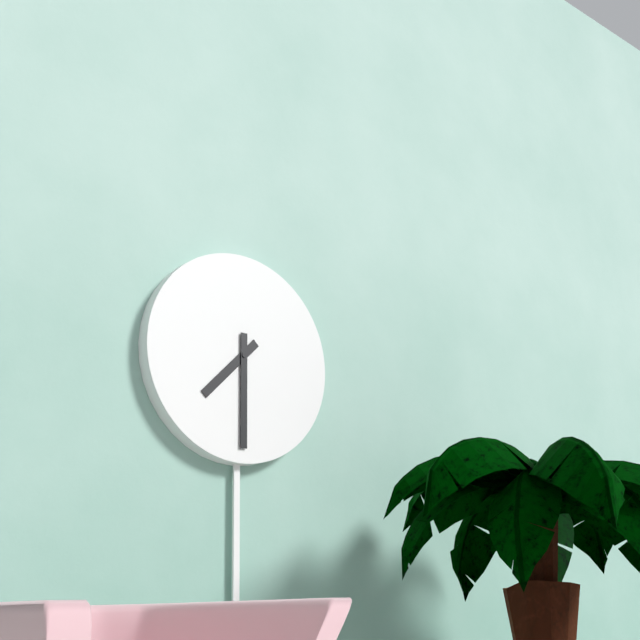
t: 7:30
